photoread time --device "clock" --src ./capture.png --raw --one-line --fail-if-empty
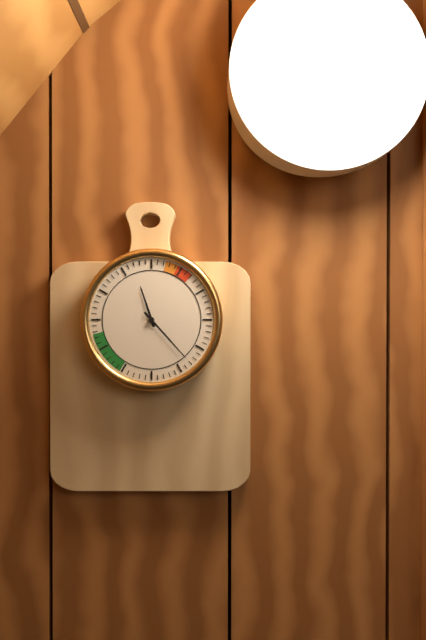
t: 11:23
